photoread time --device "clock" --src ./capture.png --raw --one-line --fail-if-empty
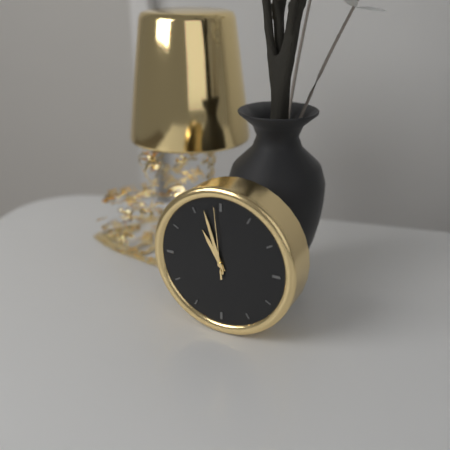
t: 10:57:59
